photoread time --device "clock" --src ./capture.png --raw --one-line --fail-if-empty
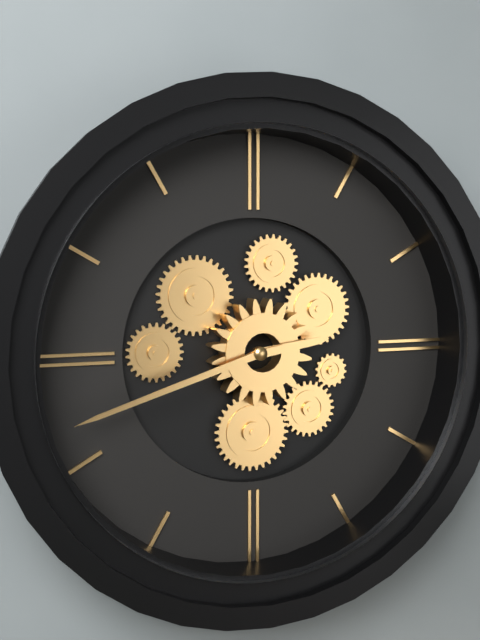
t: 2:42
